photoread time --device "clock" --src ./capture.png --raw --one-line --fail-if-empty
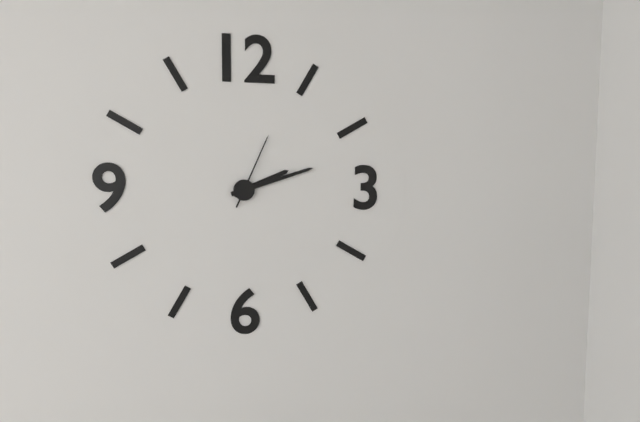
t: 2:12:04
